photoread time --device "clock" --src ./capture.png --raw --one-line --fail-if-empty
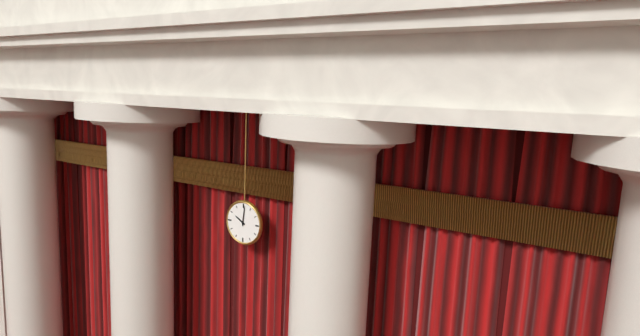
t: 10:01
